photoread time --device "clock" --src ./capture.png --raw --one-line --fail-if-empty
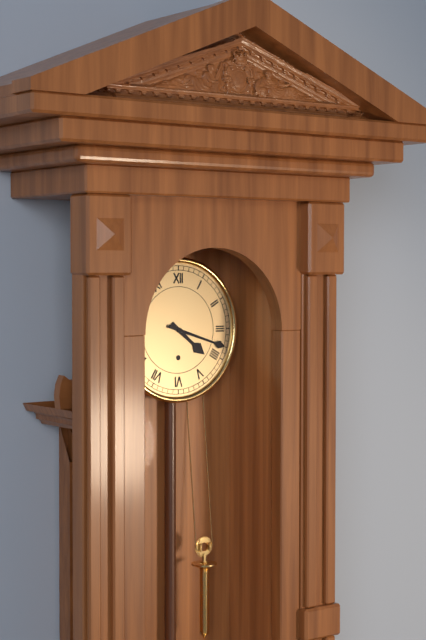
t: 4:18
